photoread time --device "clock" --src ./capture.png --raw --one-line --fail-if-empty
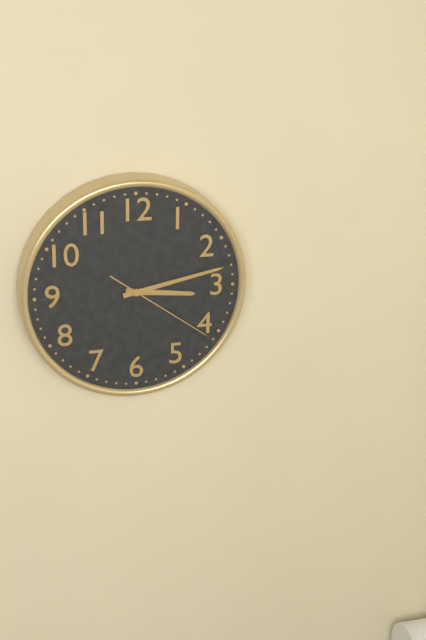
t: 3:13:21
